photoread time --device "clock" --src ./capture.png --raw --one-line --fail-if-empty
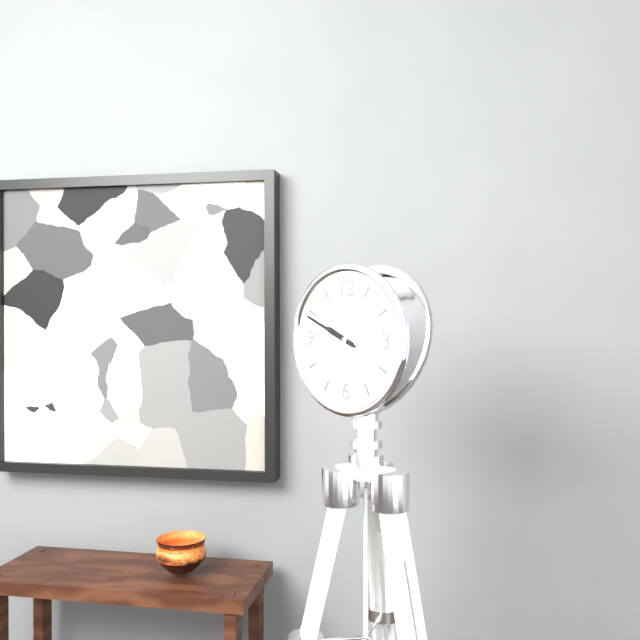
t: 9:49
